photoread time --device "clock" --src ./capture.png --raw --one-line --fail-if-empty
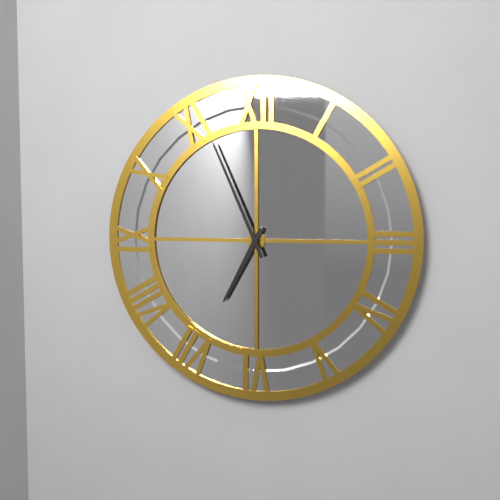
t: 6:56
